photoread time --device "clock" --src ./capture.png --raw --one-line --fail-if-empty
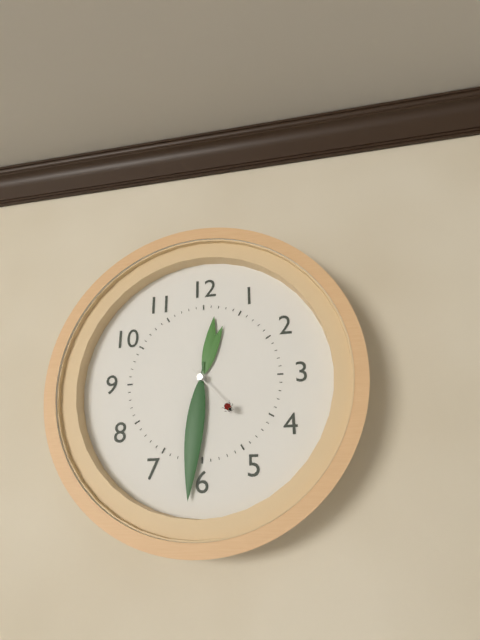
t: 12:31:23
